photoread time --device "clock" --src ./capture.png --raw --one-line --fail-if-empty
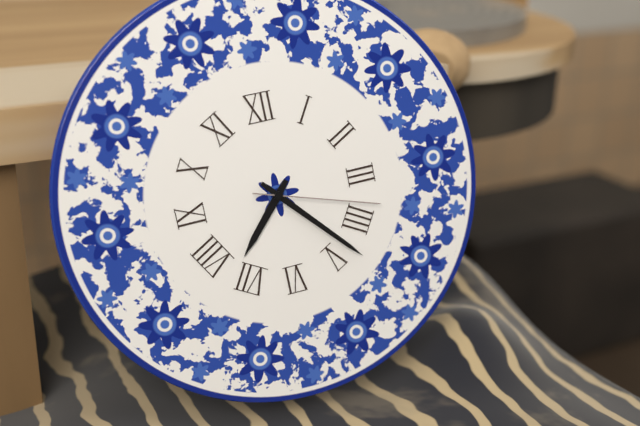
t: 7:23:18
